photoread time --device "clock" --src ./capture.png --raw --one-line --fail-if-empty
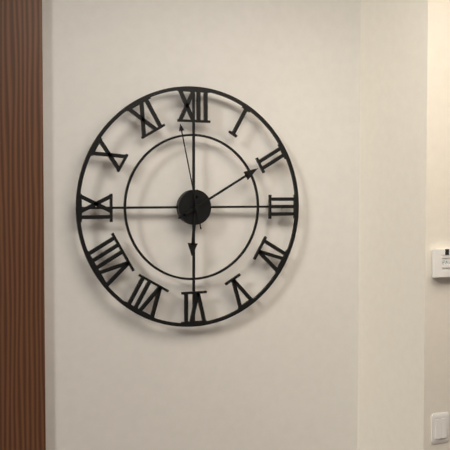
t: 6:10:58
